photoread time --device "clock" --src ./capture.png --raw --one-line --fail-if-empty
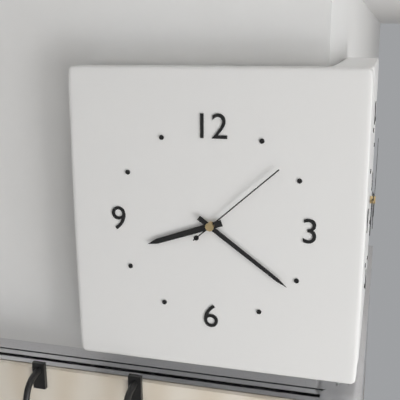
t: 8:21:08
